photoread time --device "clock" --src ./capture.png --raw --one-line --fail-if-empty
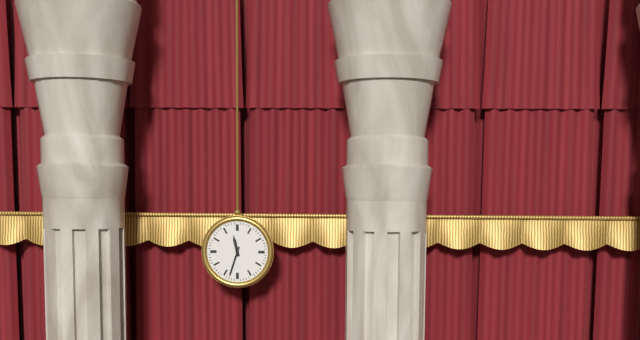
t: 11:33
